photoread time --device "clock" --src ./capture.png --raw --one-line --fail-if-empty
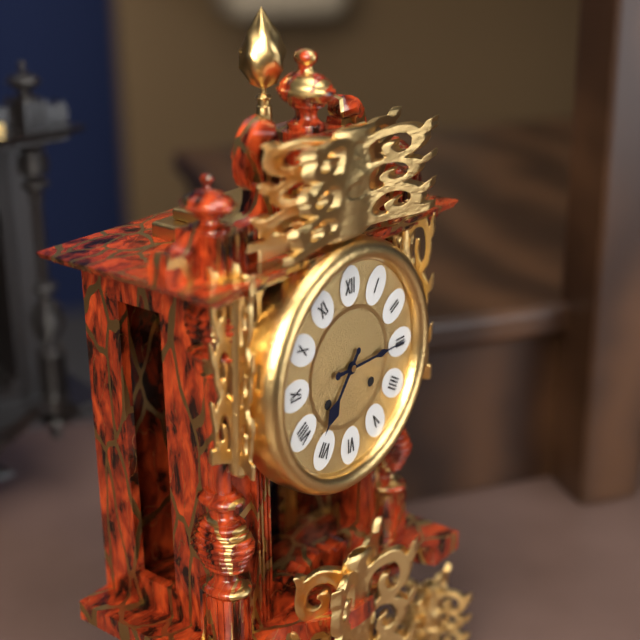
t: 7:15
